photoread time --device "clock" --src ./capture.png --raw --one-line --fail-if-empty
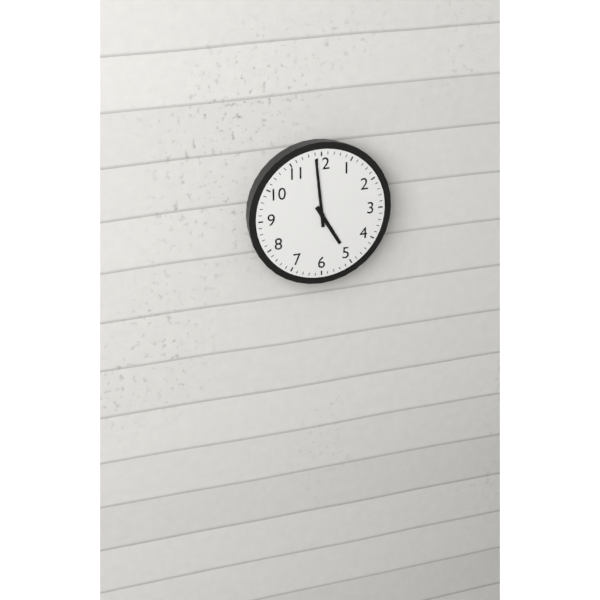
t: 4:59
